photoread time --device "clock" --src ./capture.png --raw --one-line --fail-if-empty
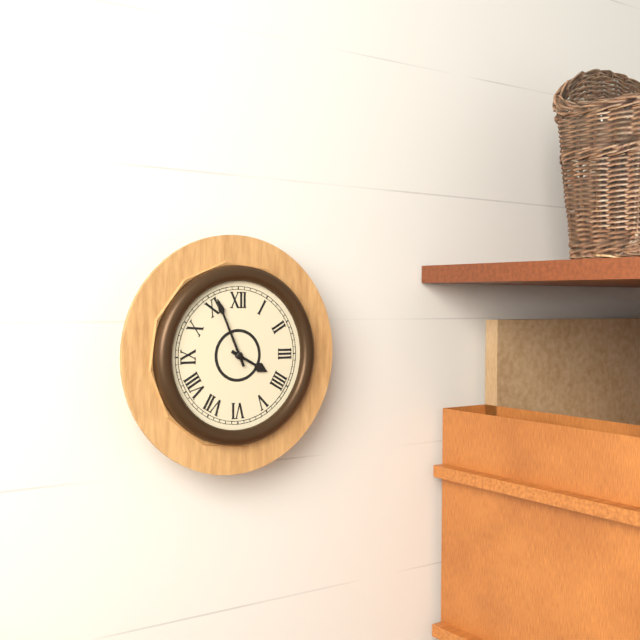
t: 3:56
